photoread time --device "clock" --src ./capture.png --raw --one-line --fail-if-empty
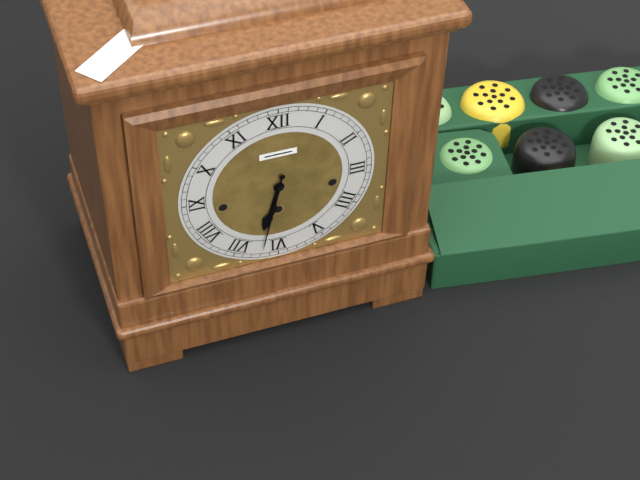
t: 6:32
